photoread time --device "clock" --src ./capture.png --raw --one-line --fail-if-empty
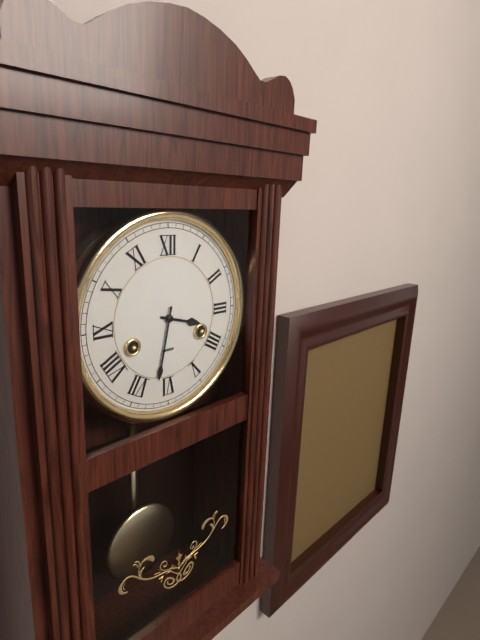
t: 3:32
